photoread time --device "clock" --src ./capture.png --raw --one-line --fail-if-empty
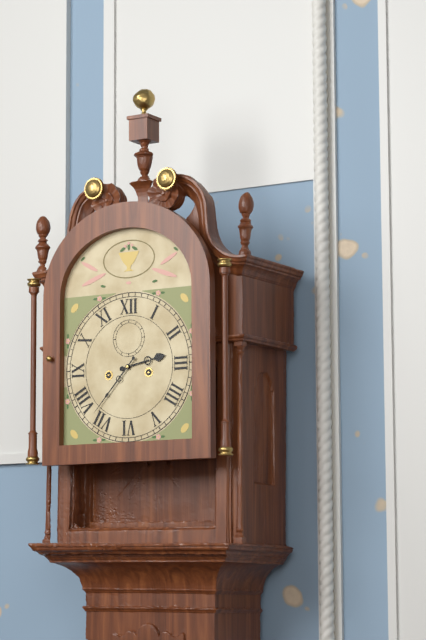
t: 2:37
